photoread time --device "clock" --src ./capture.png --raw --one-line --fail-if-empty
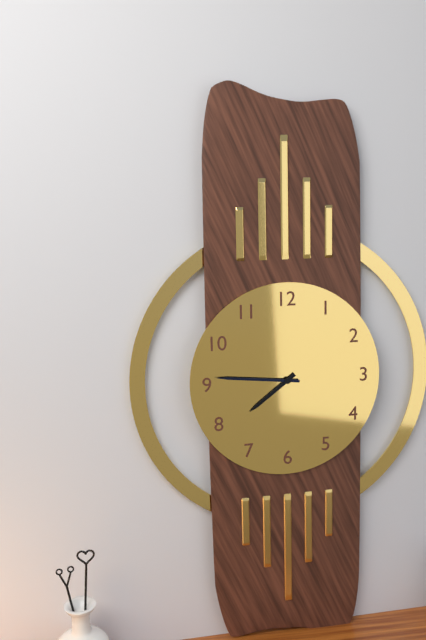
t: 7:46
